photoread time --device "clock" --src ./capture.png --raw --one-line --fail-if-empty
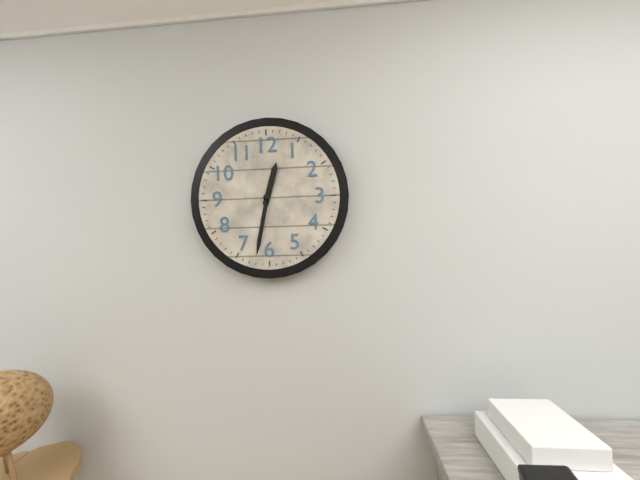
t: 12:32
